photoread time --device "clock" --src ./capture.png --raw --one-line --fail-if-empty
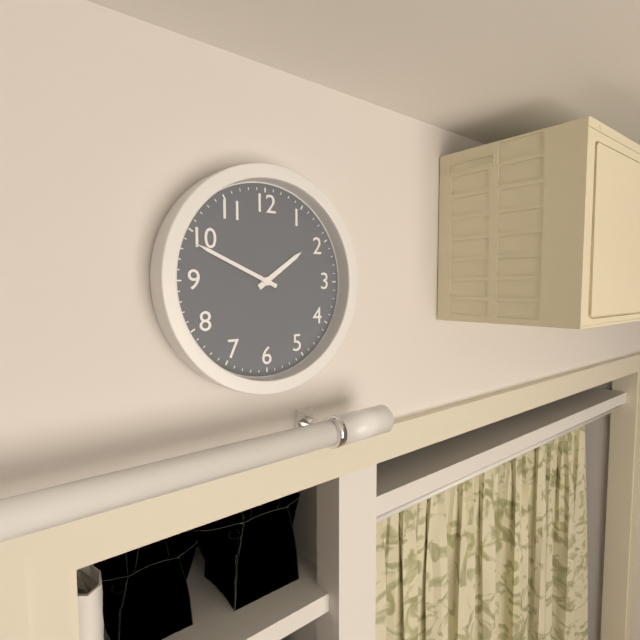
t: 1:49
